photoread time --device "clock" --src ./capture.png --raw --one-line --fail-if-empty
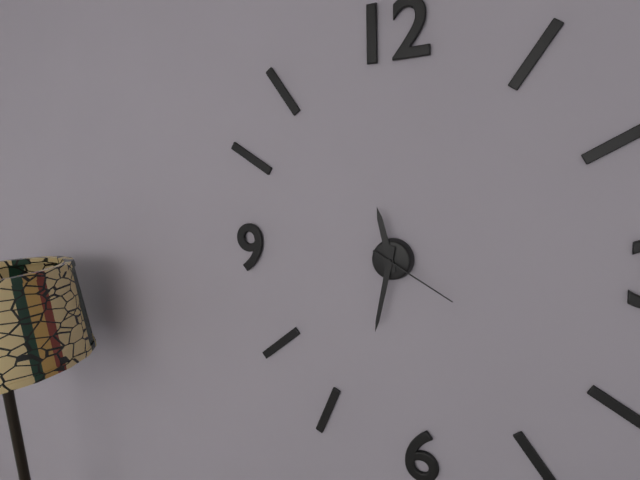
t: 11:32:20
